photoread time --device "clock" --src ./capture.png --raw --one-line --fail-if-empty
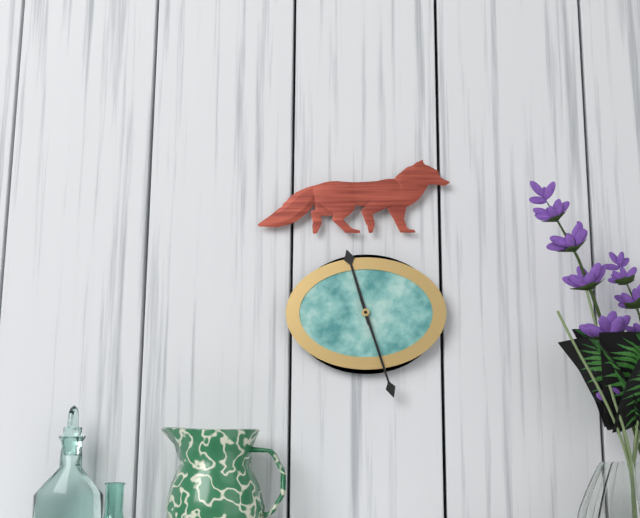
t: 11:27
